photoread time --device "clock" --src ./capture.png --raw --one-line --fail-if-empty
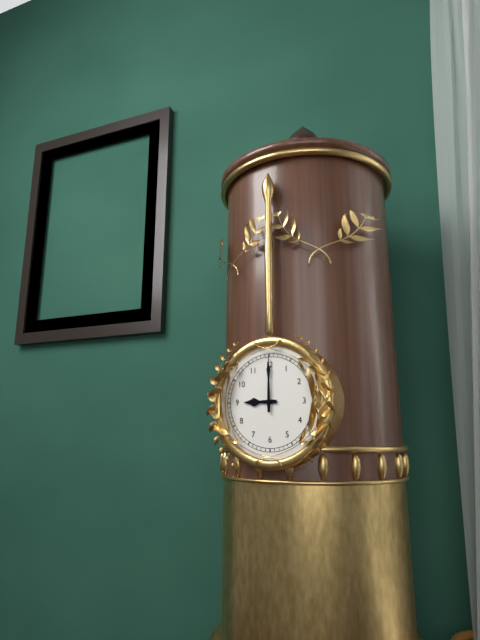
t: 9:00
